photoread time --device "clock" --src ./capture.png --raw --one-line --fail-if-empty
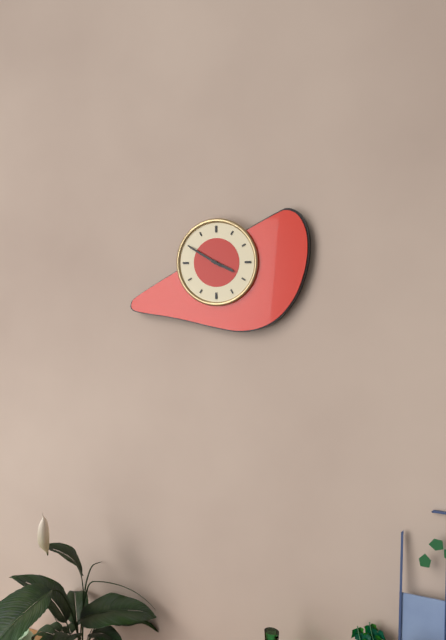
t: 3:50
